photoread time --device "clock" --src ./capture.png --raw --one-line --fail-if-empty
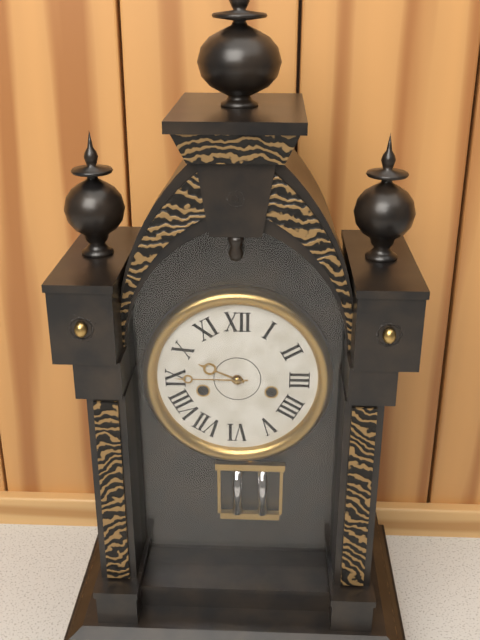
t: 9:45
